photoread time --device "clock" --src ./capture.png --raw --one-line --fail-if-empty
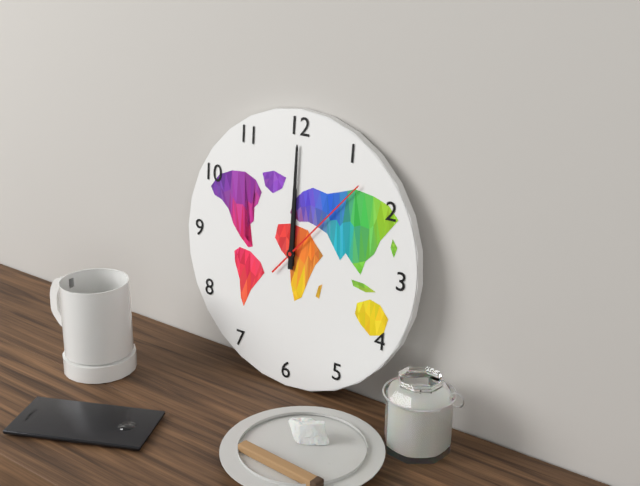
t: 12:00:07
